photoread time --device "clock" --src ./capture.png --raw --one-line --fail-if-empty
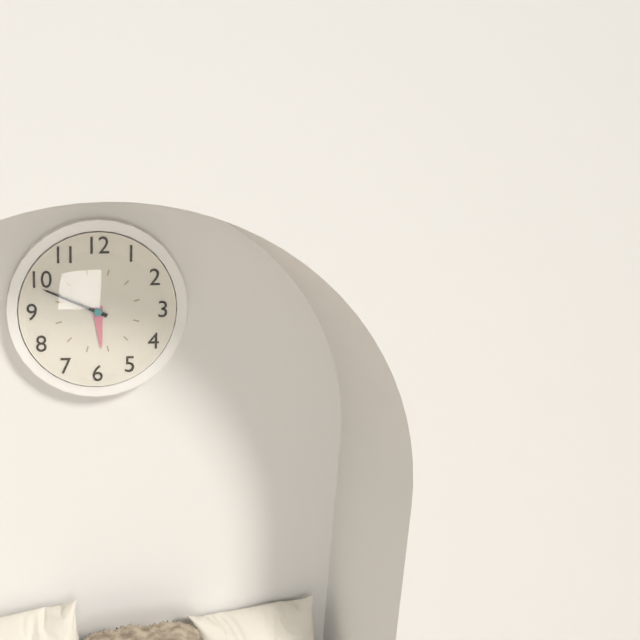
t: 5:49
